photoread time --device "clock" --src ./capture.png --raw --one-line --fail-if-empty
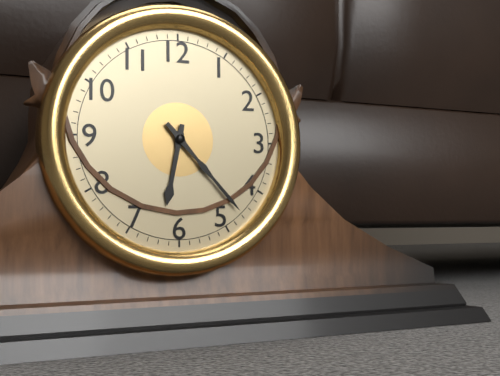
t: 6:23
